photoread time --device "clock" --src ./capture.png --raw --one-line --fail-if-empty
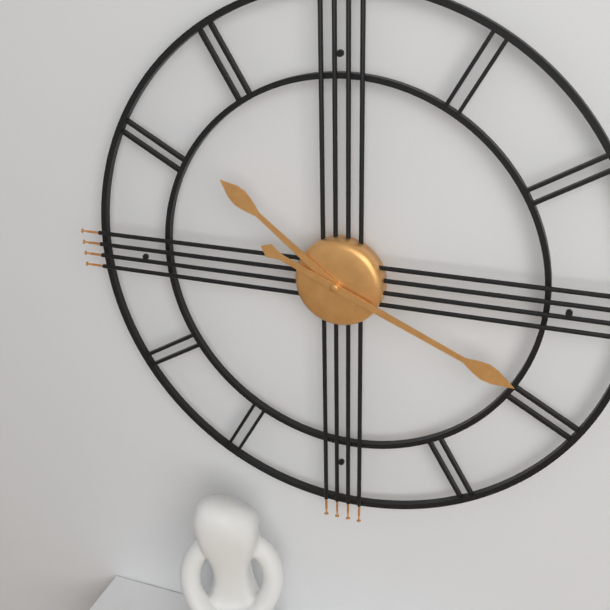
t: 10:19
